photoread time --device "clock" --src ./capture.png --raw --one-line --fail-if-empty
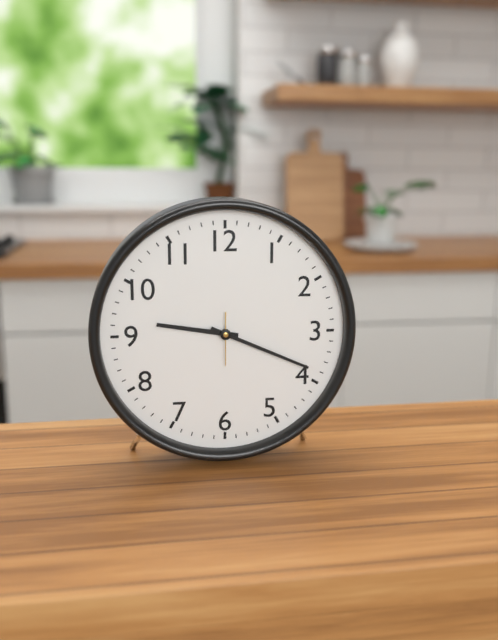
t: 9:19
